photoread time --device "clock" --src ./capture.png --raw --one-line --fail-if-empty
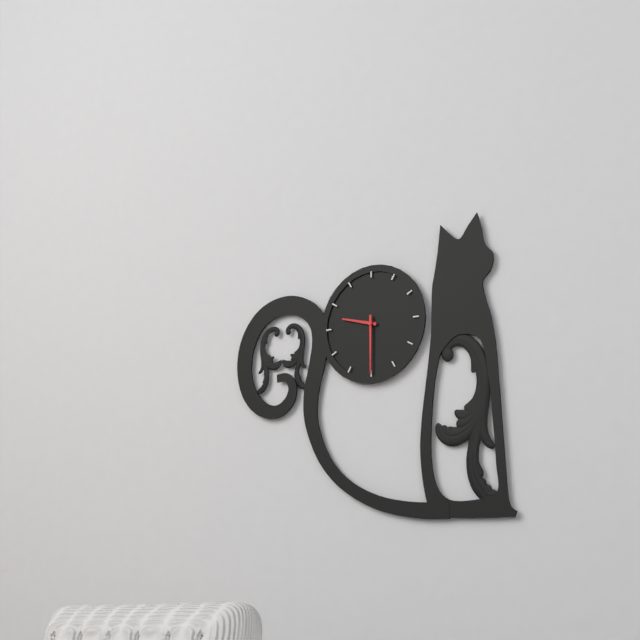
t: 9:30
